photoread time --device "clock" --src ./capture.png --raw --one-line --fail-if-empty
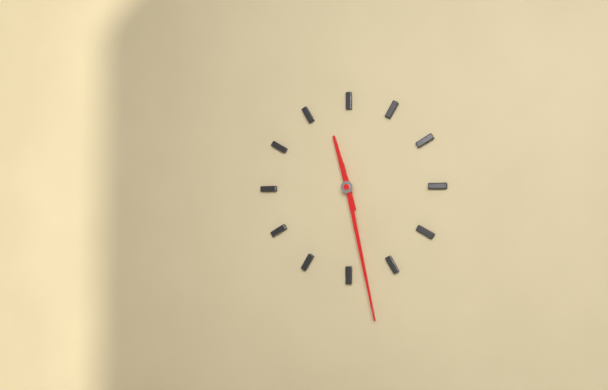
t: 11:28
